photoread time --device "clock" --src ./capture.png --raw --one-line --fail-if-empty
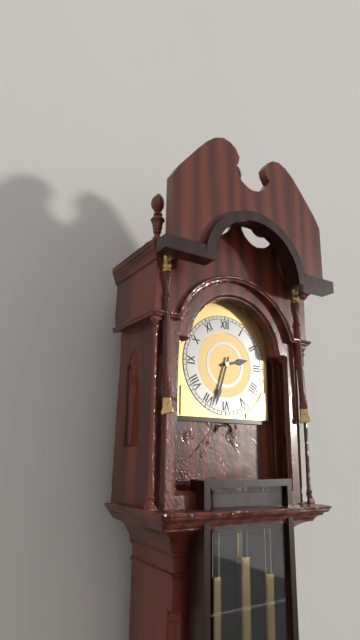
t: 2:33
